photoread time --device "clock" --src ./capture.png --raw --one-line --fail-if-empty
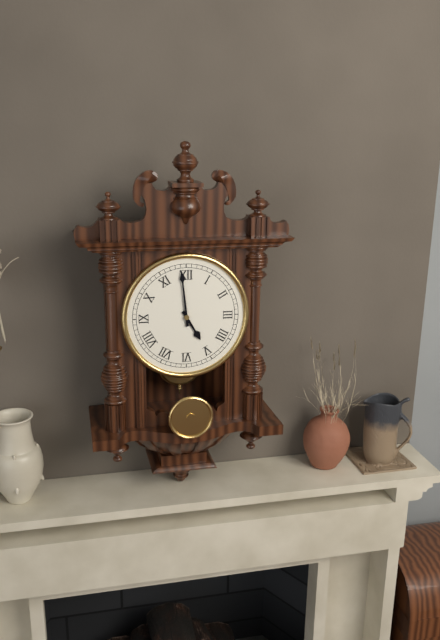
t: 4:59
